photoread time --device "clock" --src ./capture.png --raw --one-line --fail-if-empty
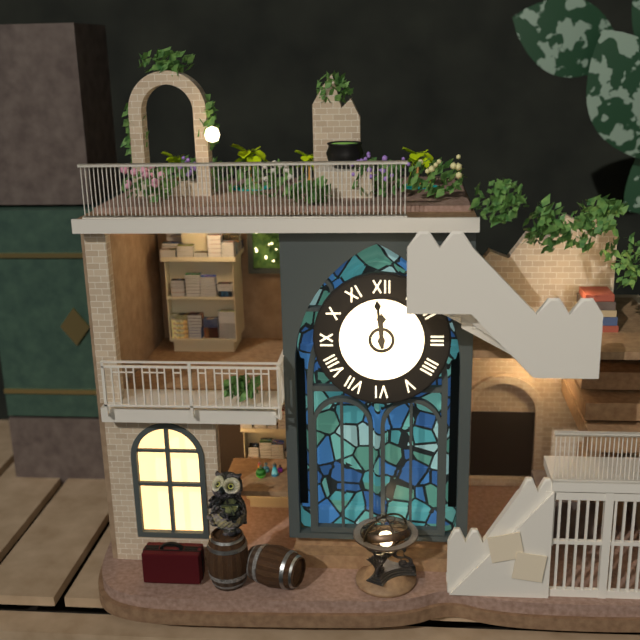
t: 11:59
